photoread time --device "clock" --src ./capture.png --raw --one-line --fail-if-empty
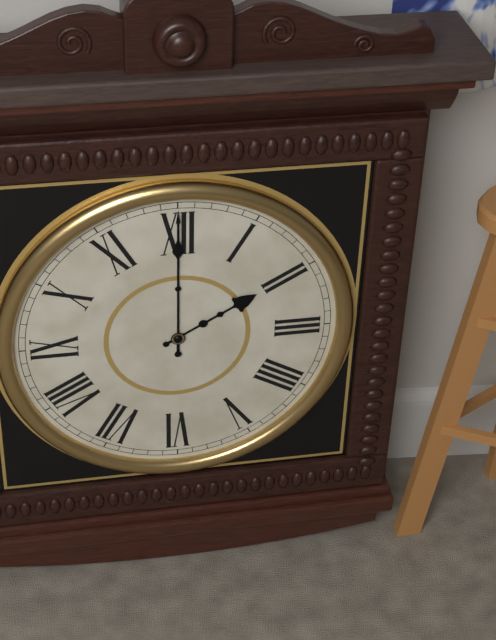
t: 2:00
